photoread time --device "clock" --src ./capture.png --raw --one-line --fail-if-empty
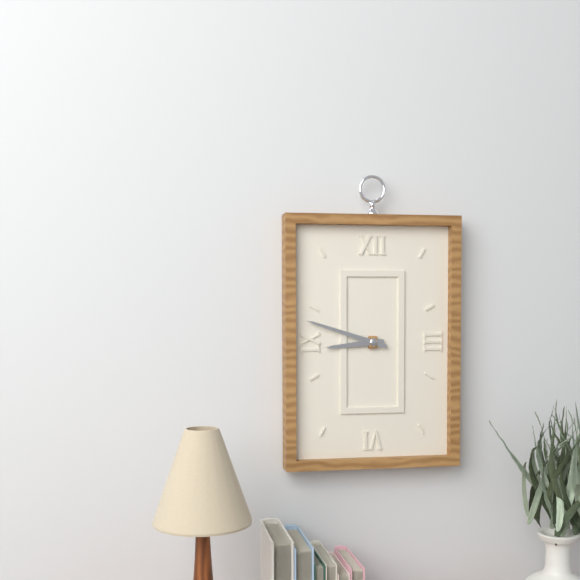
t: 8:48
